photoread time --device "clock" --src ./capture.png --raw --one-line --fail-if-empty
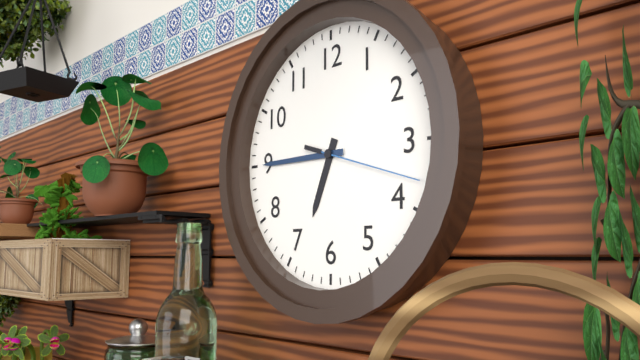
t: 6:45:18
